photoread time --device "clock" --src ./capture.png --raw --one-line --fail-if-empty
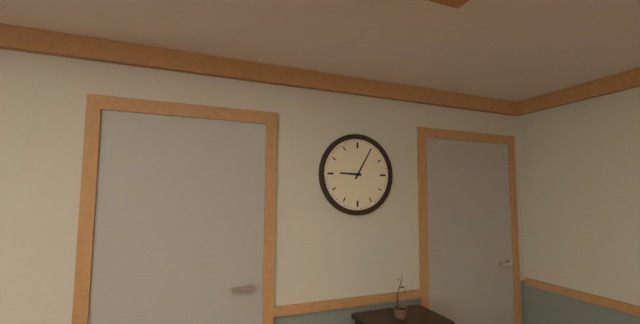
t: 9:05
